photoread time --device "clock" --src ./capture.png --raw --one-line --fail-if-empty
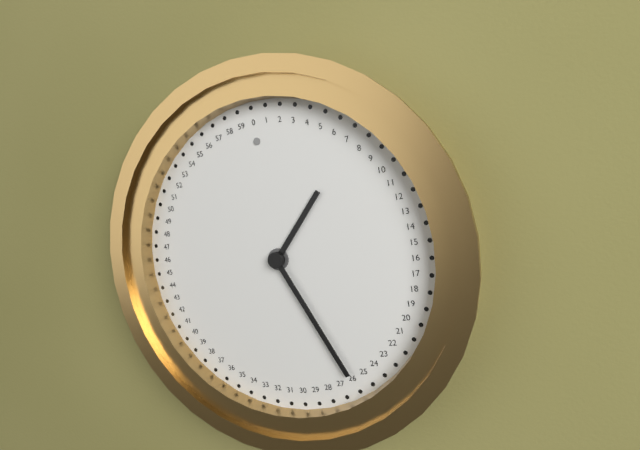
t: 1:26
